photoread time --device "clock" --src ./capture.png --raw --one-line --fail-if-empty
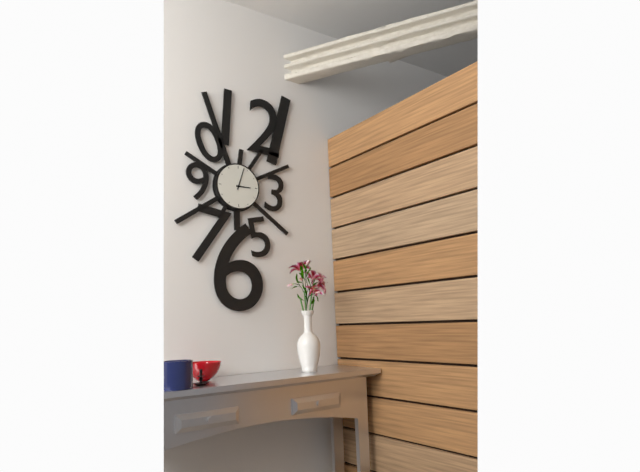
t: 3:03
